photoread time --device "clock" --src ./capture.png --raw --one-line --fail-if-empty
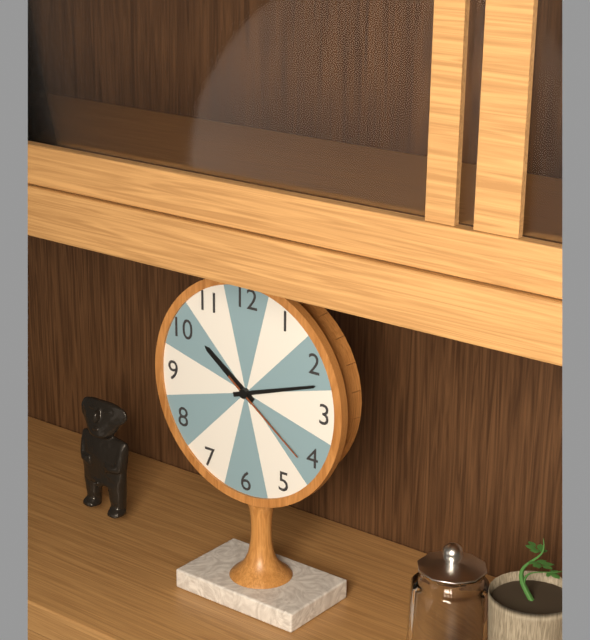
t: 10:12:21
